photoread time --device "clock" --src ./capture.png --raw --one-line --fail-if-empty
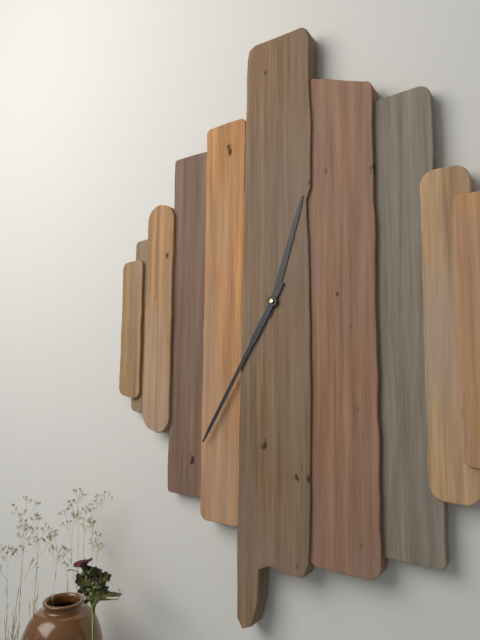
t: 12:35
